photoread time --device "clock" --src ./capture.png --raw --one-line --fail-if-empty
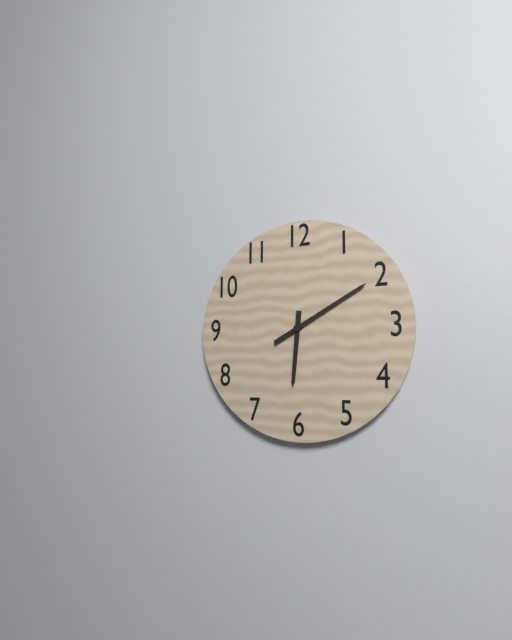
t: 6:10
